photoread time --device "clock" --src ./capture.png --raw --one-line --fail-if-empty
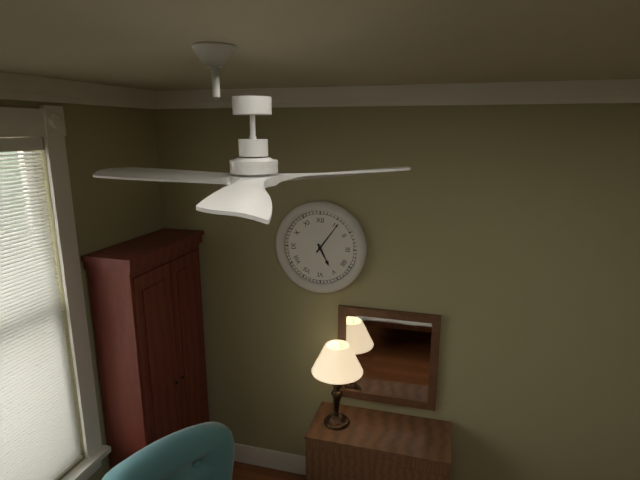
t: 5:06
